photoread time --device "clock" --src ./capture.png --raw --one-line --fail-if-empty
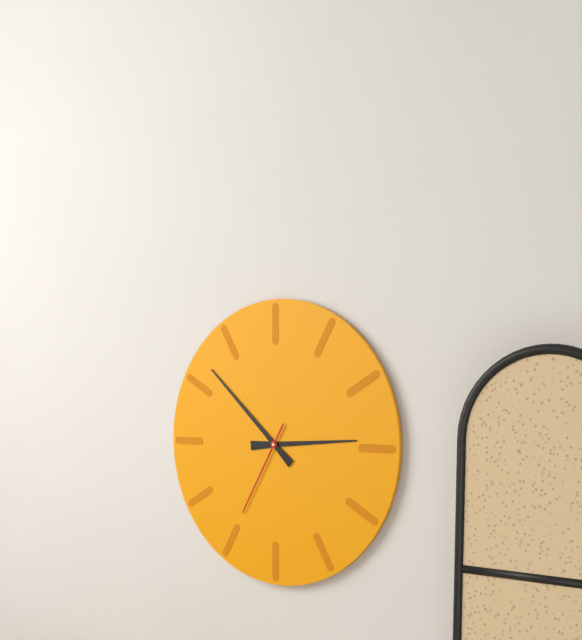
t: 2:52:35
